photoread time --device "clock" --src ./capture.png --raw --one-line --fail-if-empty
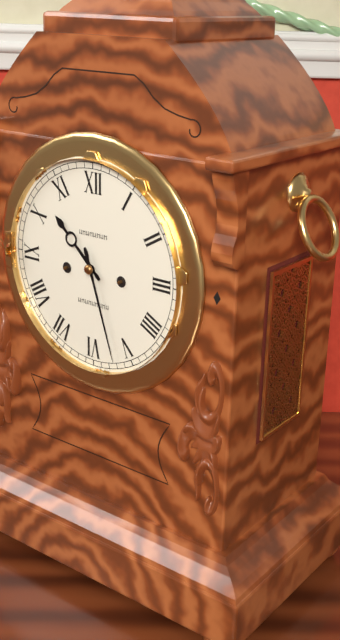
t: 10:27
